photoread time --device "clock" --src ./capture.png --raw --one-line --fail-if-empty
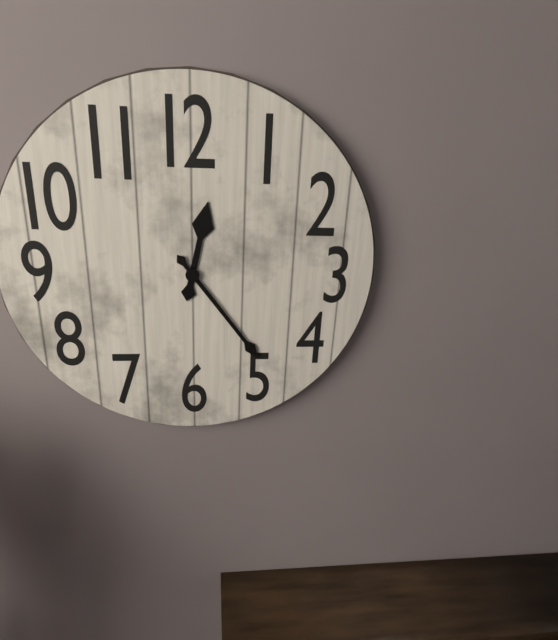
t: 12:24
